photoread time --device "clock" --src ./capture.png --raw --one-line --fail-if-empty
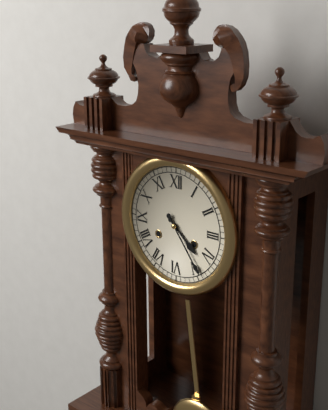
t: 4:24
